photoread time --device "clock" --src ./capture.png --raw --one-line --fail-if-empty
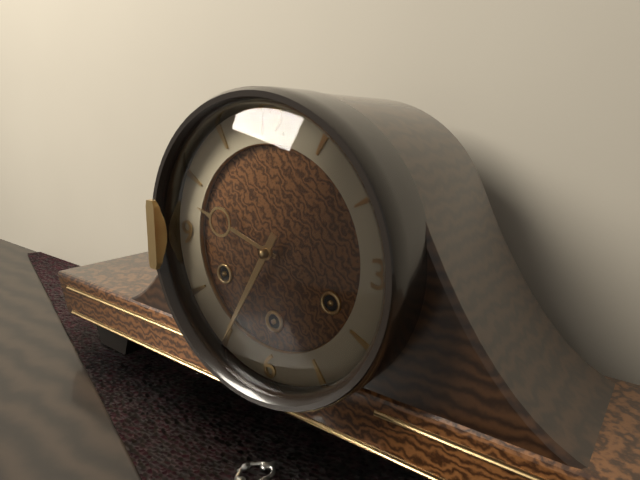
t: 9:35
